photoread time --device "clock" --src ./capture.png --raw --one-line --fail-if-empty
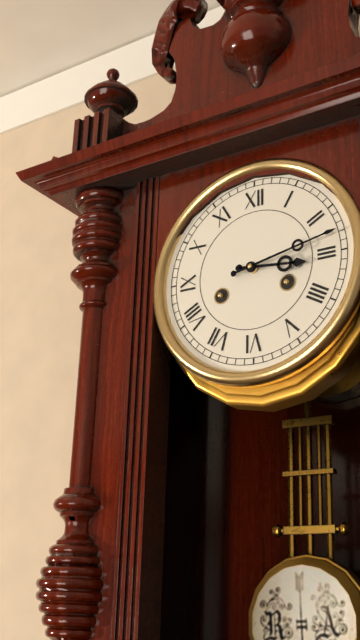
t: 3:13
